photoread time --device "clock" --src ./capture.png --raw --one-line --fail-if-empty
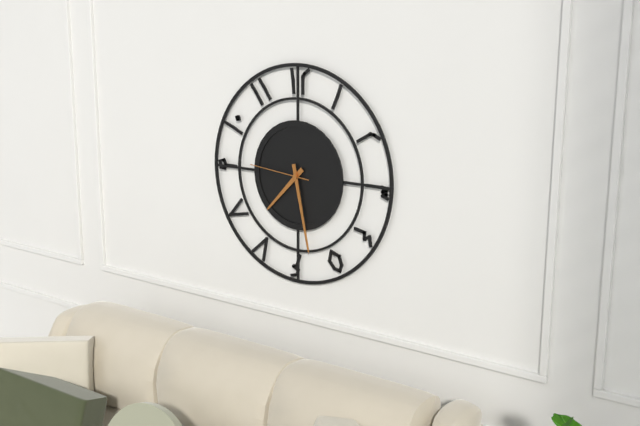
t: 7:28:46
